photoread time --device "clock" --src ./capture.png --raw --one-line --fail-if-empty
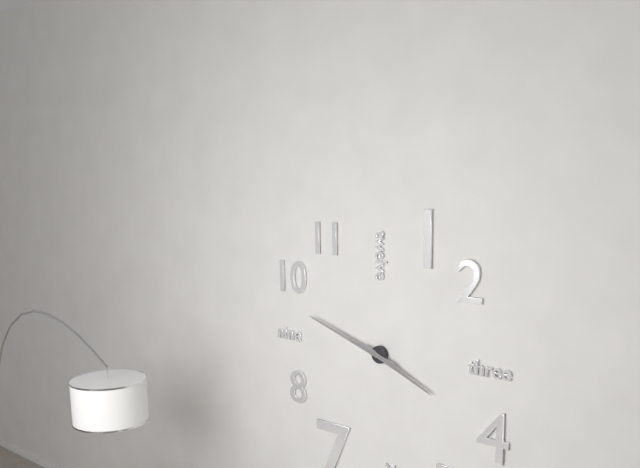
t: 3:48
